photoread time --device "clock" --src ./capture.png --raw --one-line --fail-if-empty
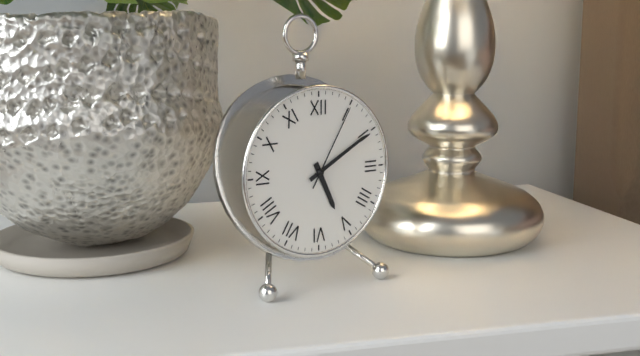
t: 5:10:05
